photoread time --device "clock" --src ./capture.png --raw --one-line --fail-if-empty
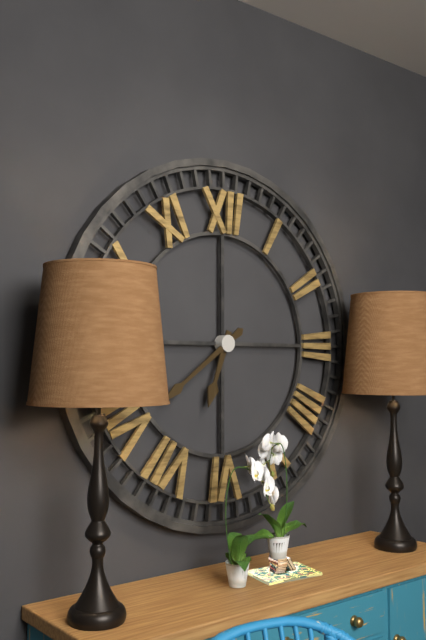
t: 6:39
